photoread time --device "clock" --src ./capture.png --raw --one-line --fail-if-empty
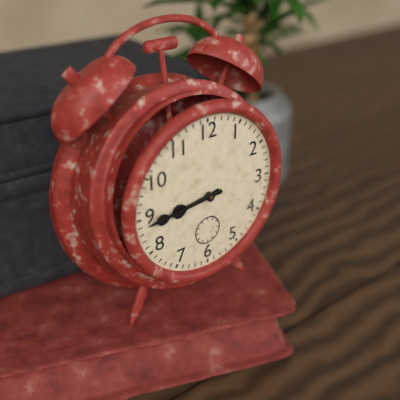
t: 8:44
